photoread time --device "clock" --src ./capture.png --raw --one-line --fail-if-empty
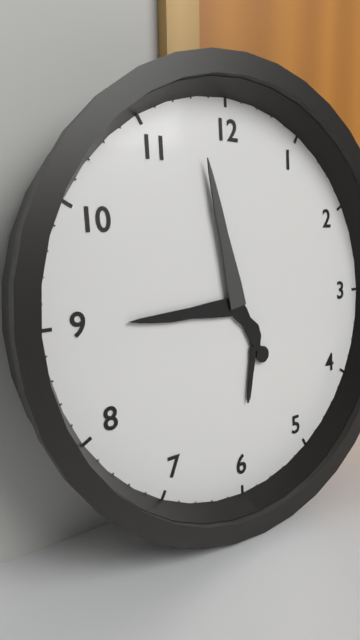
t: 8:58
